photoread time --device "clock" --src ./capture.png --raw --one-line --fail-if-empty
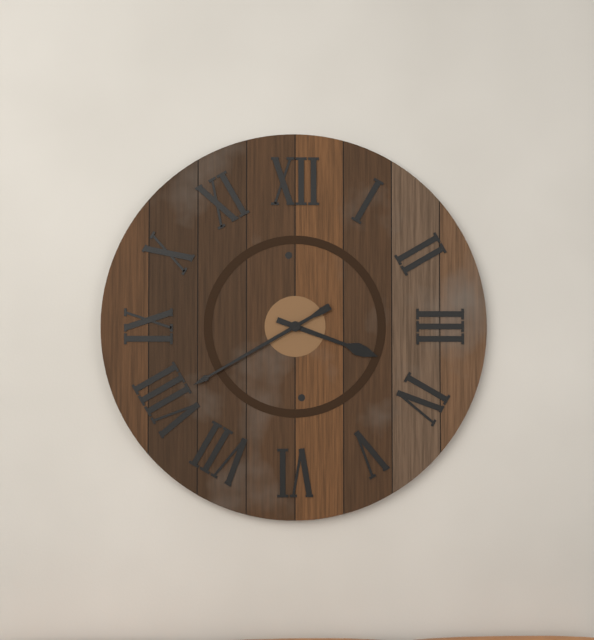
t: 3:40
